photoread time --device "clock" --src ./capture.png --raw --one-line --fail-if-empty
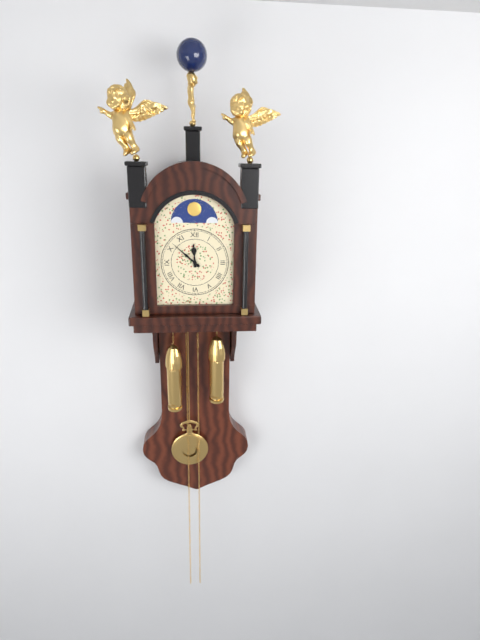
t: 11:52
